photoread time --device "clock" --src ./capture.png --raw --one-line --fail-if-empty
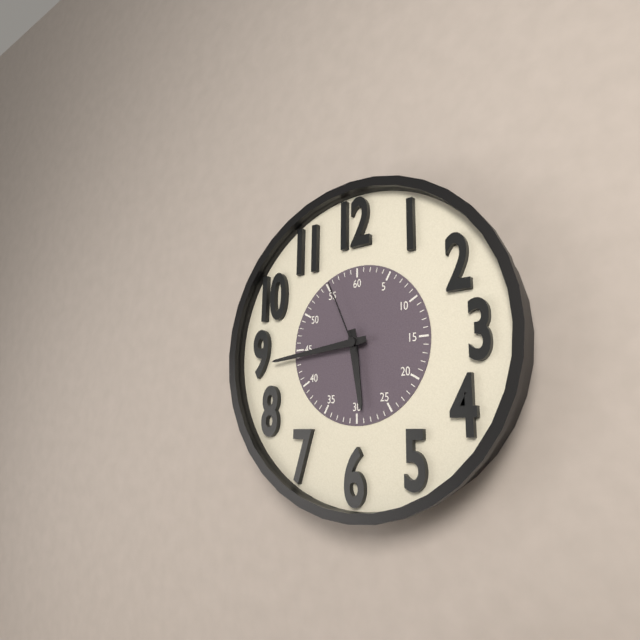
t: 5:44:56
